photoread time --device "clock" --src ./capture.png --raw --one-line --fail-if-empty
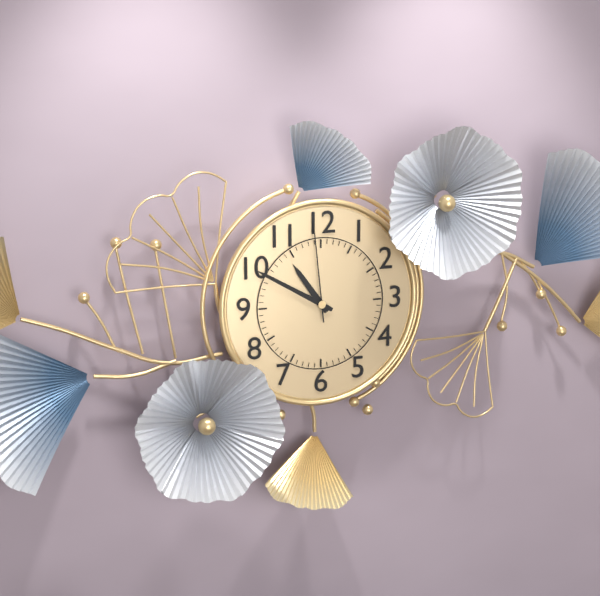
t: 10:50:59
